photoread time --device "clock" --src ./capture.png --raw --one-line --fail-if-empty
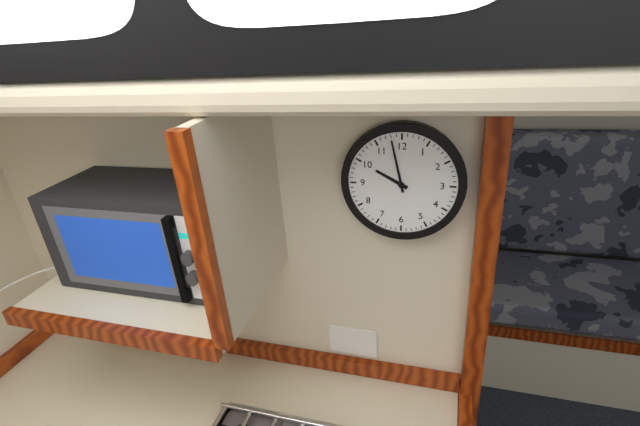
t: 9:58
